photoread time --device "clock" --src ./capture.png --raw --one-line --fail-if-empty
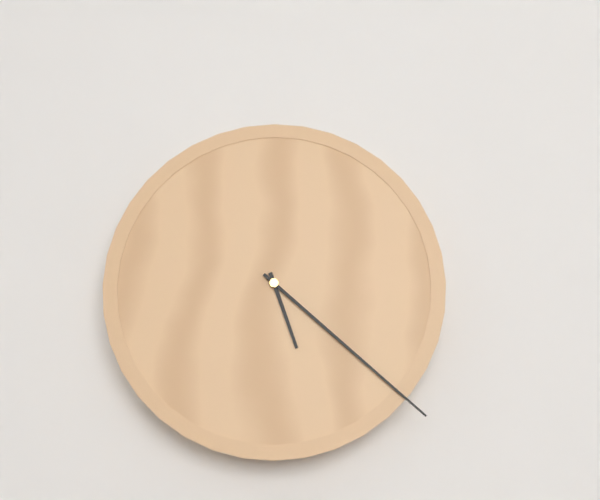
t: 5:22
